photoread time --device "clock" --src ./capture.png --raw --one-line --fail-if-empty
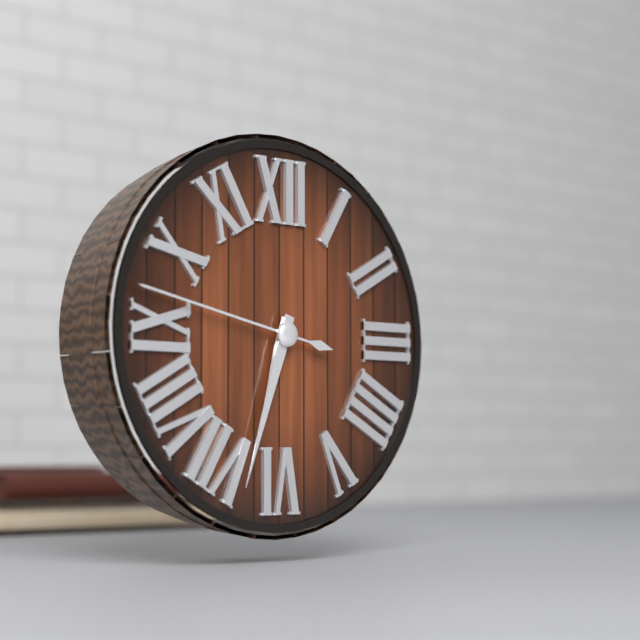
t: 6:33:47
